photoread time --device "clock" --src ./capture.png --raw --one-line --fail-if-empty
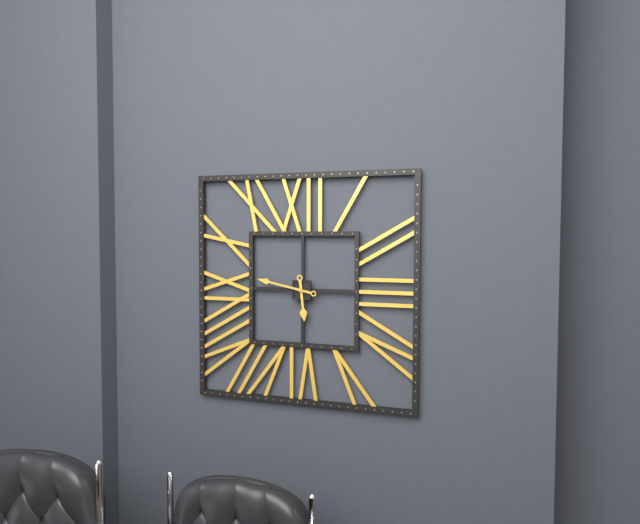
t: 5:47
